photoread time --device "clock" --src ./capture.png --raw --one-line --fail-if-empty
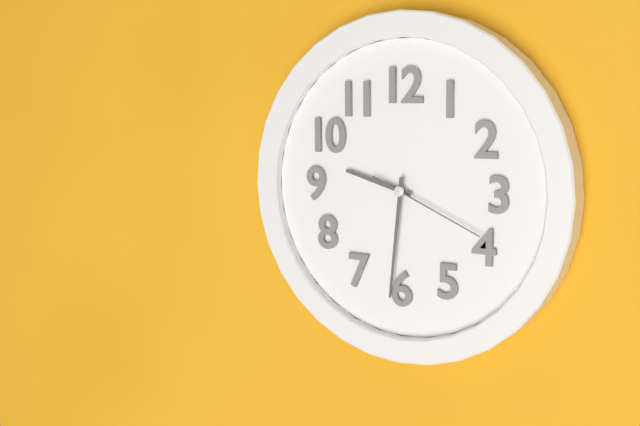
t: 9:31:19
